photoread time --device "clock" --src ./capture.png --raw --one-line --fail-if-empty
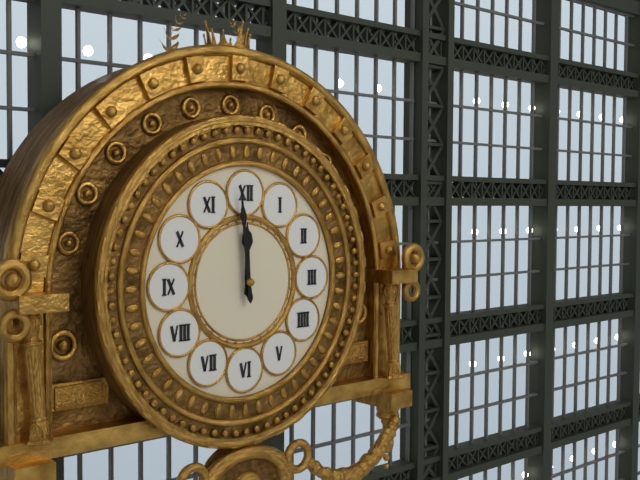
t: 11:59
